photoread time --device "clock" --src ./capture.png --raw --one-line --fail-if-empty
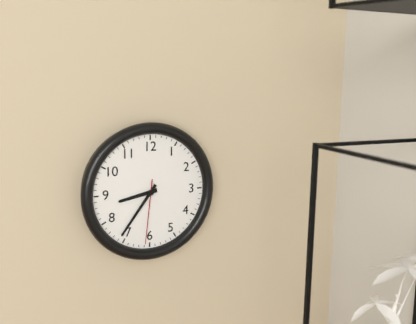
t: 8:36:31
